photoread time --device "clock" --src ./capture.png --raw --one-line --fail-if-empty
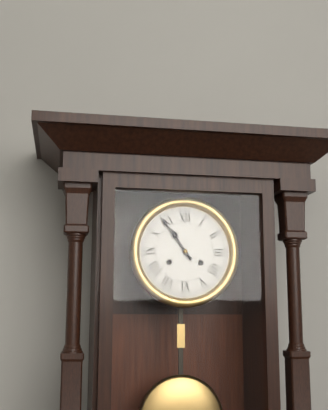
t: 10:54
